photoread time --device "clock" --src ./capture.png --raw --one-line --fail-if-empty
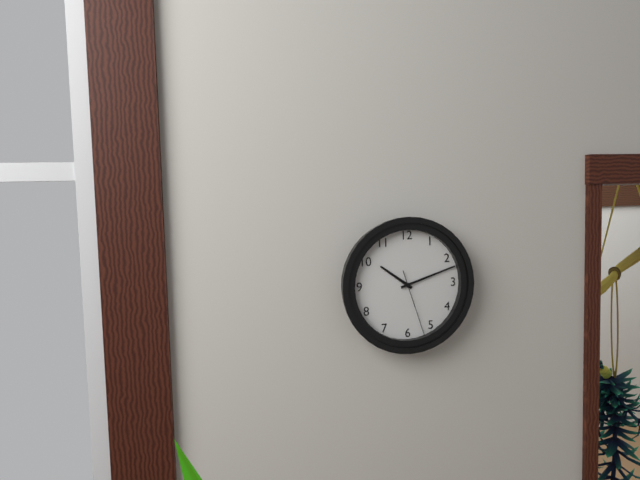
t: 10:12:27
